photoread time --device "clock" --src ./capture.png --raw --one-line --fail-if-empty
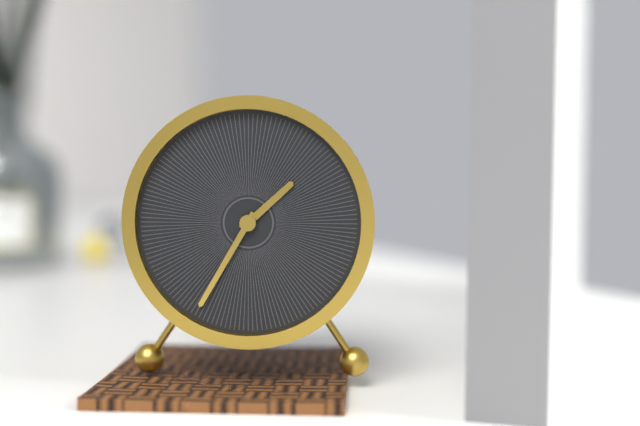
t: 1:35
